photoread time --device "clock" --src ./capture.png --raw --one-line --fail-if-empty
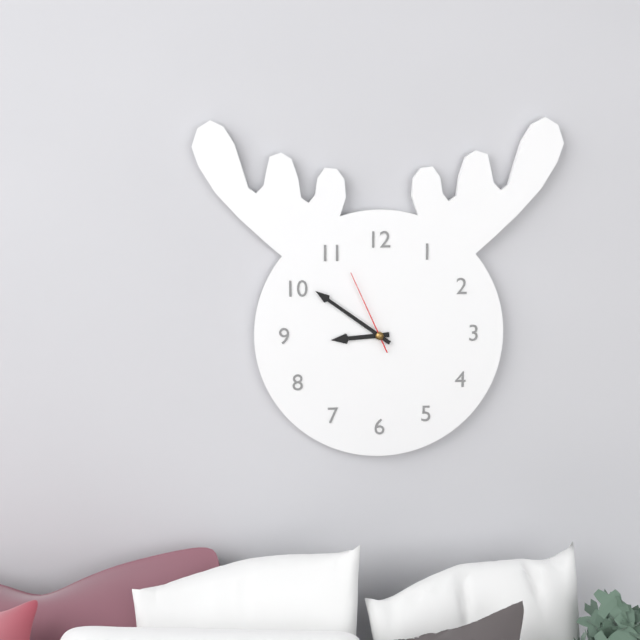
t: 8:51:56
